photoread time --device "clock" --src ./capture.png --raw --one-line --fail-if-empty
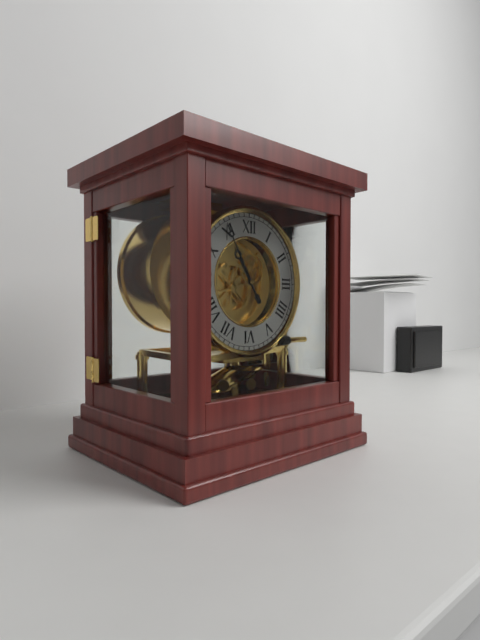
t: 10:55
